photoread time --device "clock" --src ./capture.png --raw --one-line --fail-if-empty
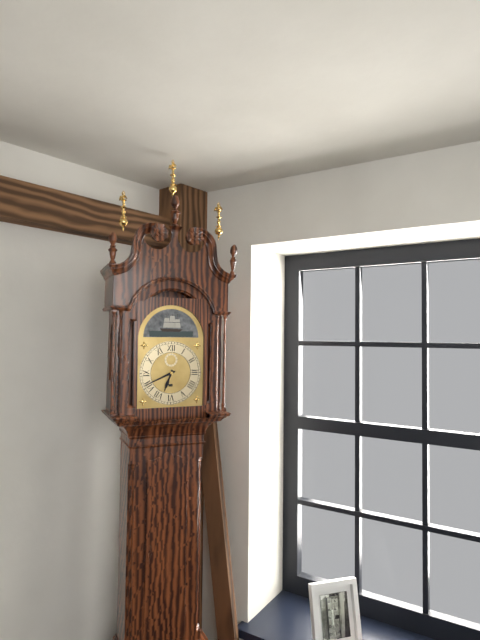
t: 6:41
